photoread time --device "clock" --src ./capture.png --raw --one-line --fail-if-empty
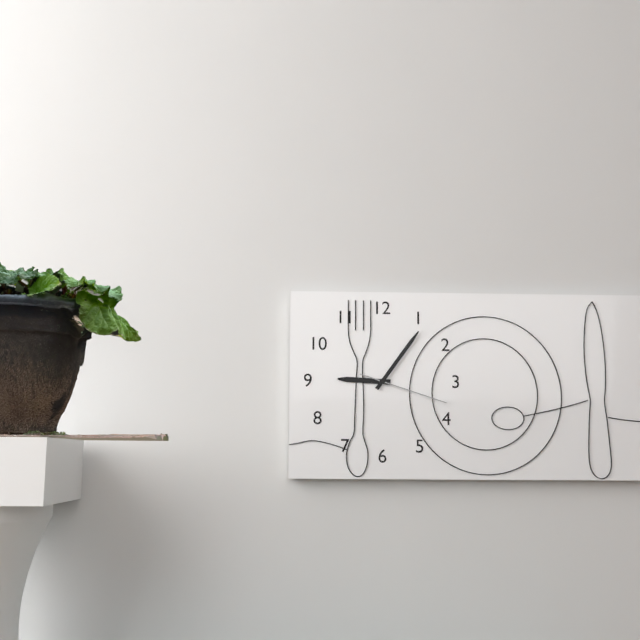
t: 9:06:18
